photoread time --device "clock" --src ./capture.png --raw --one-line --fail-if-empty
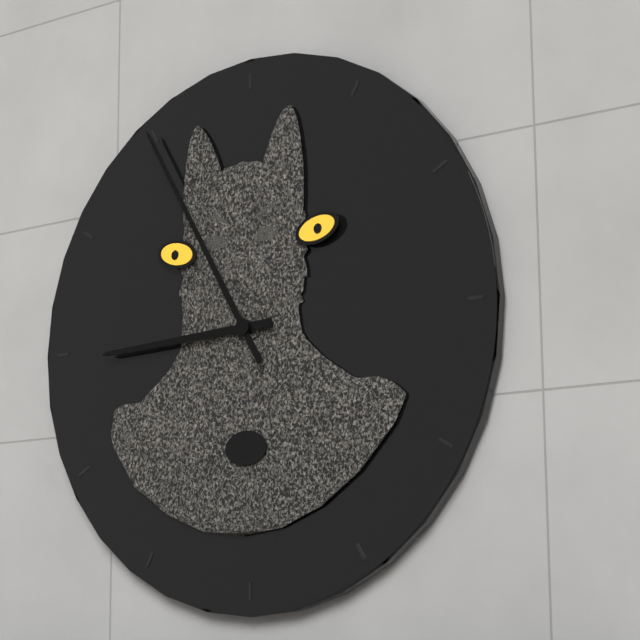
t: 8:55
